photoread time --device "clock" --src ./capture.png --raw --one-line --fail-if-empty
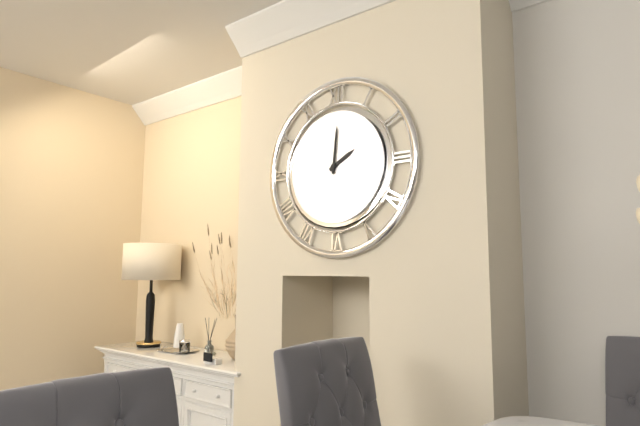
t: 2:01
